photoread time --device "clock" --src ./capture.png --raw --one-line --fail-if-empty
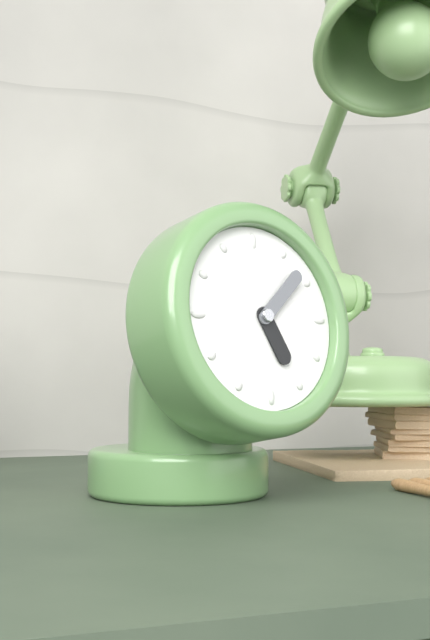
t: 5:08
